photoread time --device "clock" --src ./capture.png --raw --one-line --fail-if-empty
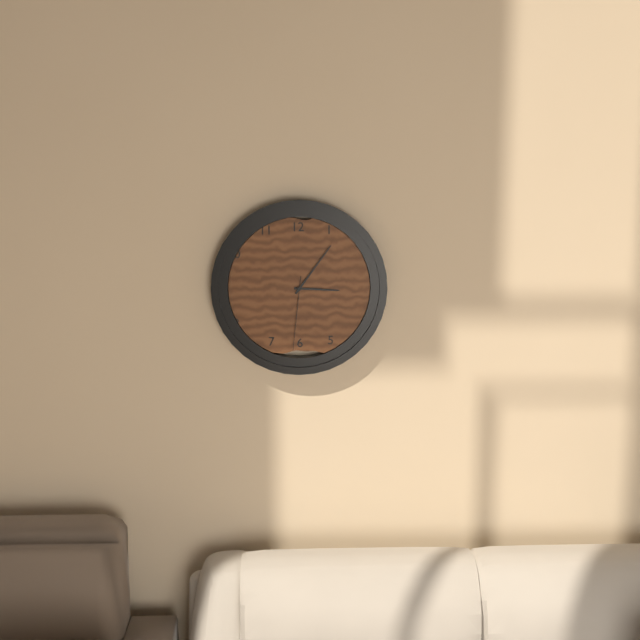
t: 3:06:31
